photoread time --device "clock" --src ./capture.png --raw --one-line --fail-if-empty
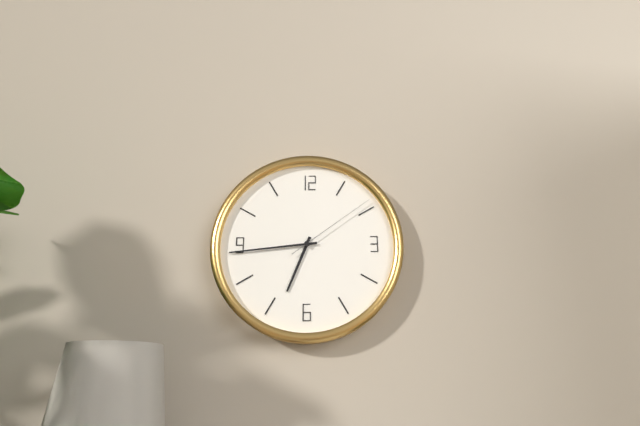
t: 6:44:09
